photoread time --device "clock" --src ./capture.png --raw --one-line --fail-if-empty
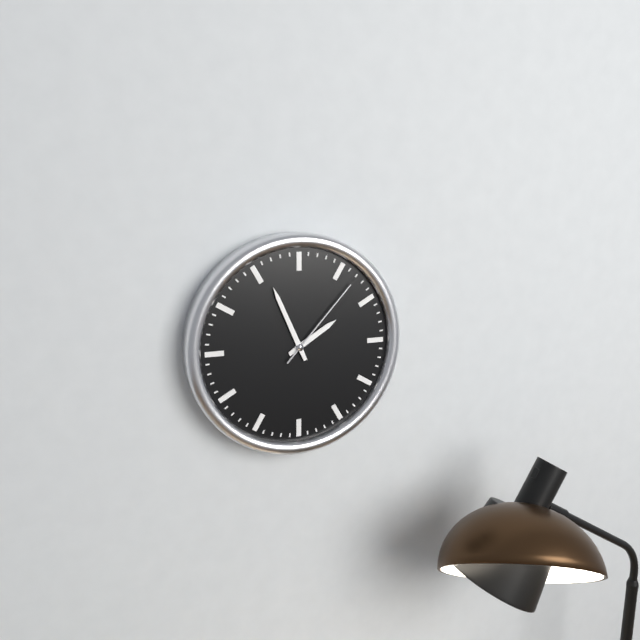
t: 1:56:07
